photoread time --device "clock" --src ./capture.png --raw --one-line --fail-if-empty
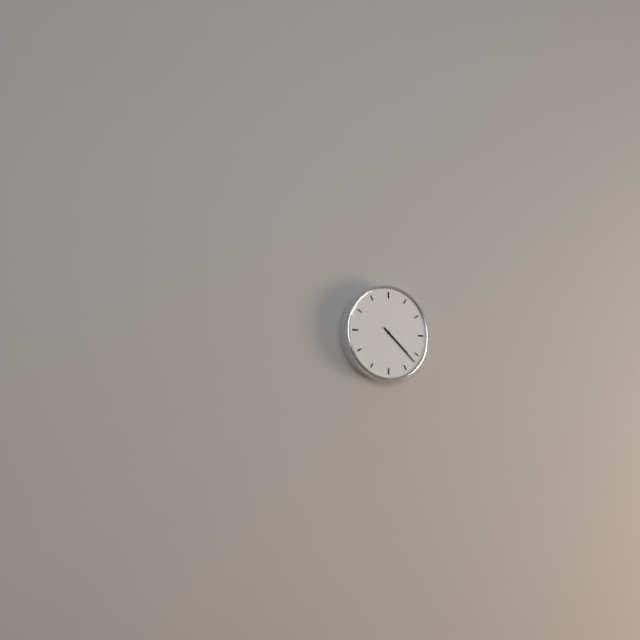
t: 4:22
